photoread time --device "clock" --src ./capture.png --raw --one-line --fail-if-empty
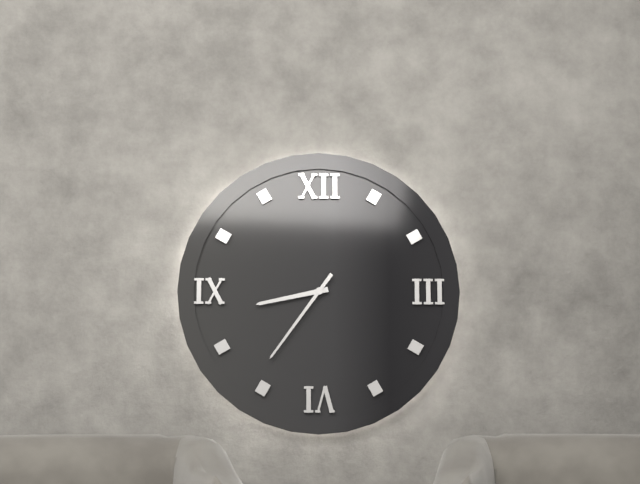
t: 8:36
